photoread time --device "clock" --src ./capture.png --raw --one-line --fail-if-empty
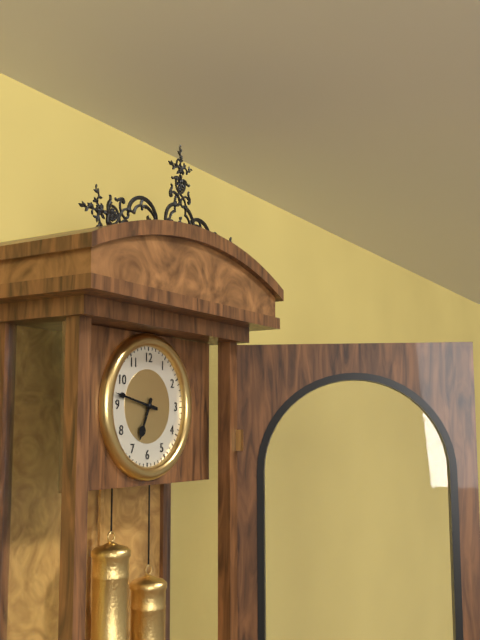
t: 6:47
